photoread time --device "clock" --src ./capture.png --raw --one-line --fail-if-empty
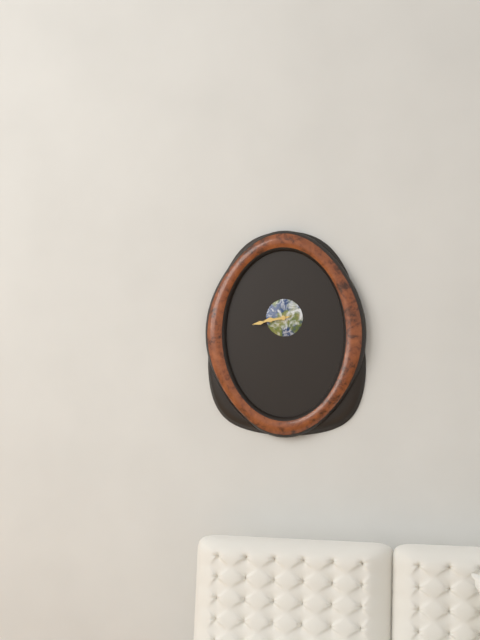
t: 8:43
